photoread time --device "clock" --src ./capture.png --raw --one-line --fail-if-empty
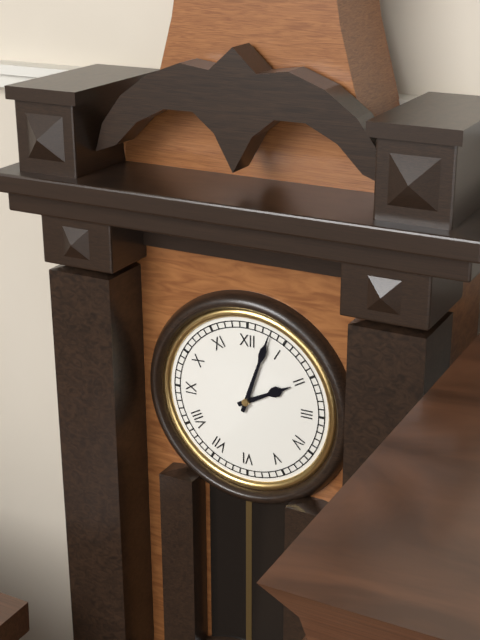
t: 2:03
